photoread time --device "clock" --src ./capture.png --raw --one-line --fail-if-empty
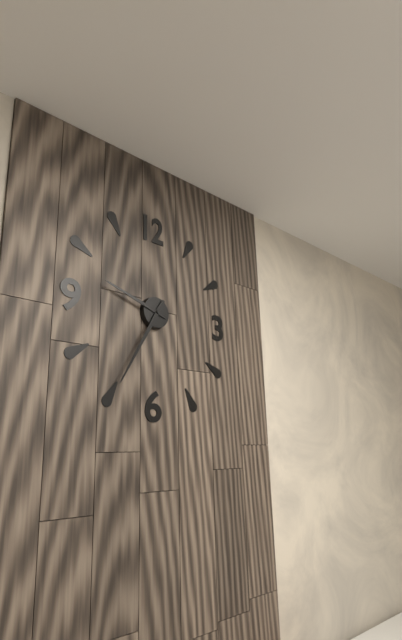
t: 9:35
